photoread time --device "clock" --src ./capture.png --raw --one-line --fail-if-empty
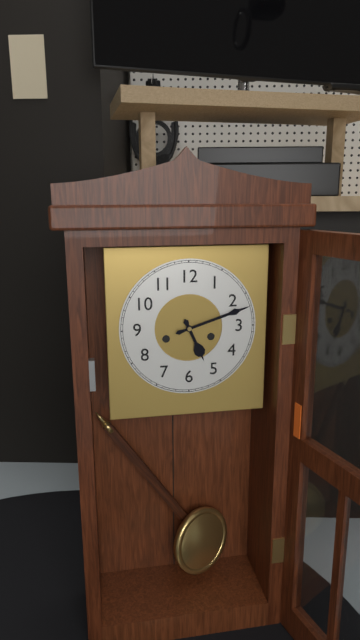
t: 5:12
